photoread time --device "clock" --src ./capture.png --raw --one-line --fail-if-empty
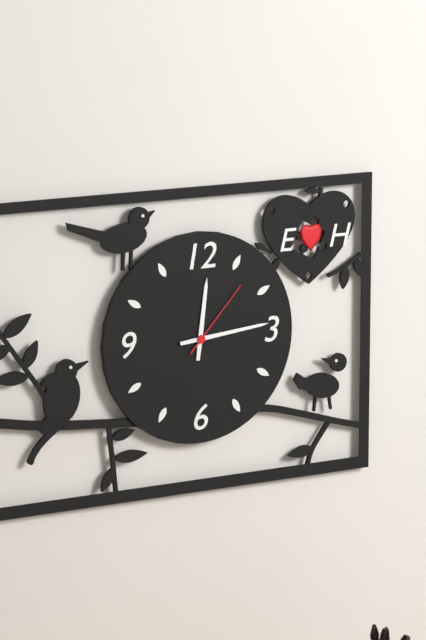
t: 12:14:07
